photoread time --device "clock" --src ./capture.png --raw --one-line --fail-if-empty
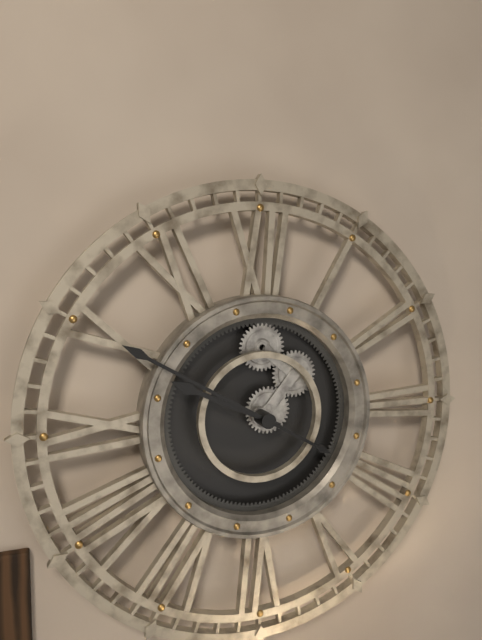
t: 9:50
